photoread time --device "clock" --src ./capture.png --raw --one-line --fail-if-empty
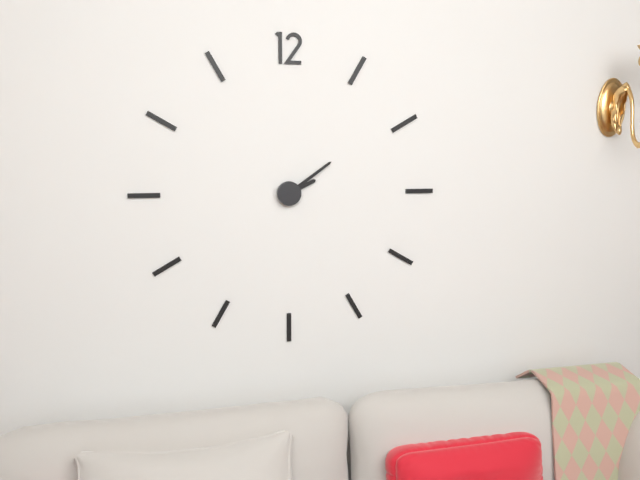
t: 2:09
